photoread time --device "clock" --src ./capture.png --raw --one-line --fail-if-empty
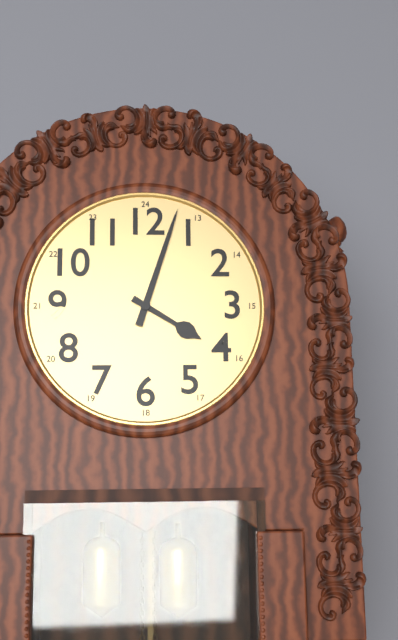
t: 4:03
